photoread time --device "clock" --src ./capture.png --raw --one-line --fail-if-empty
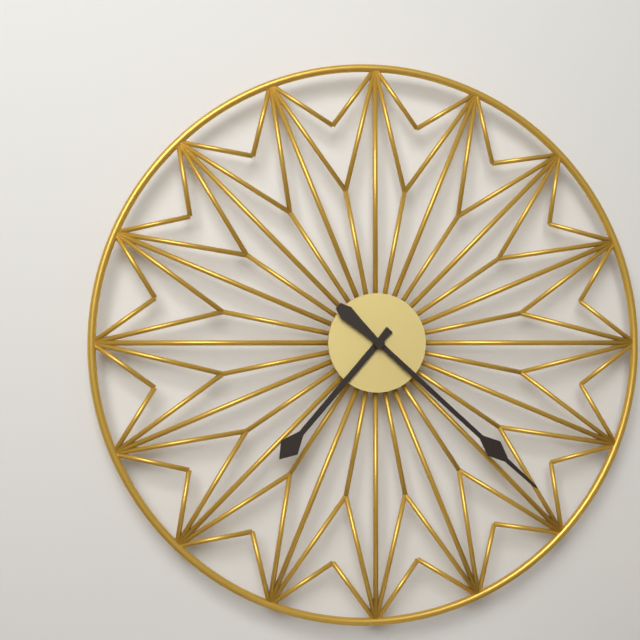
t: 7:22
